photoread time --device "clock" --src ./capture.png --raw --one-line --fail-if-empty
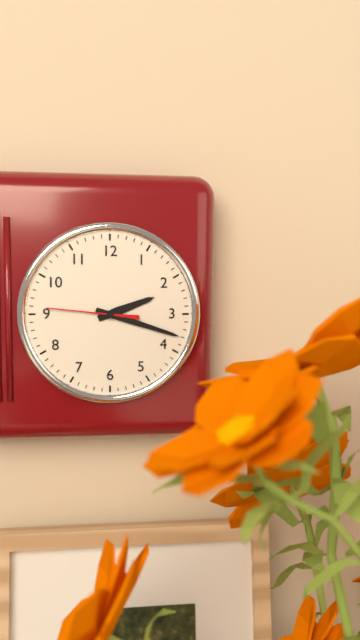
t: 2:18:46
